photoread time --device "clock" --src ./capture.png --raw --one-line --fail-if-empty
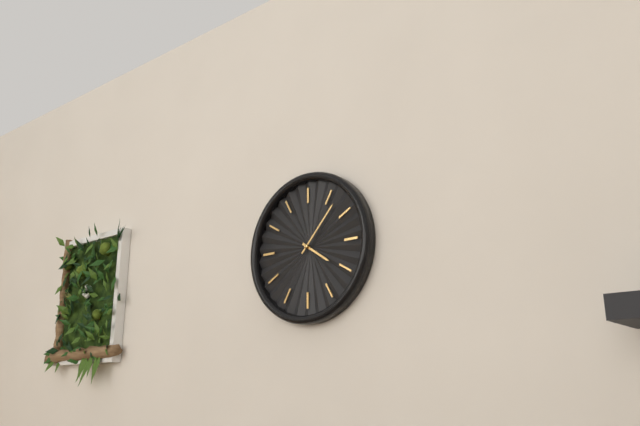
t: 4:07
